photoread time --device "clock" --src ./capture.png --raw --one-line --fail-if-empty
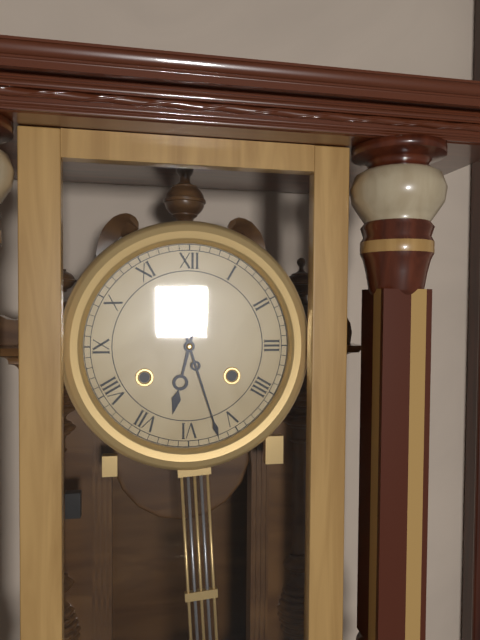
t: 6:27
